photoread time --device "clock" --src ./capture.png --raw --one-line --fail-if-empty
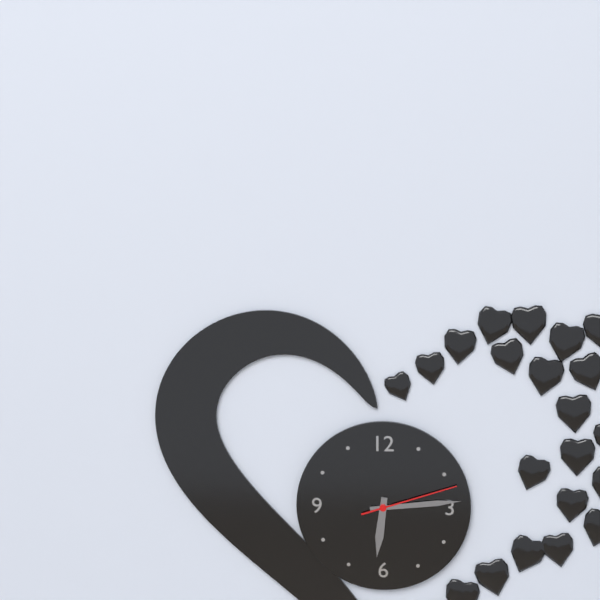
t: 6:14:12
